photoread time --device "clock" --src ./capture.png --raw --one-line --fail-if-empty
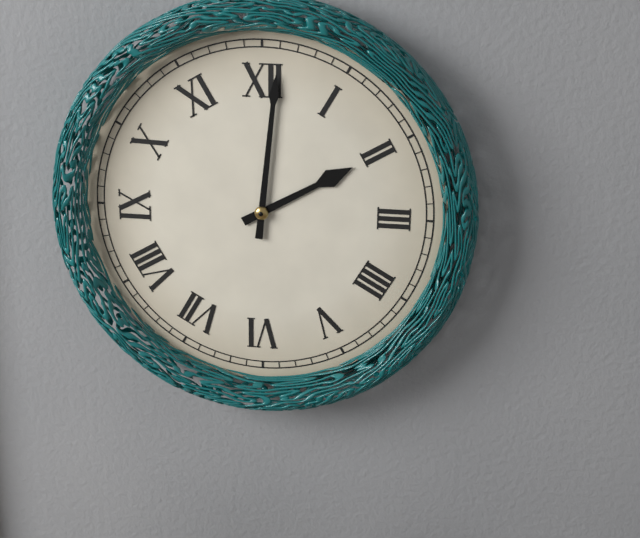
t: 2:01
